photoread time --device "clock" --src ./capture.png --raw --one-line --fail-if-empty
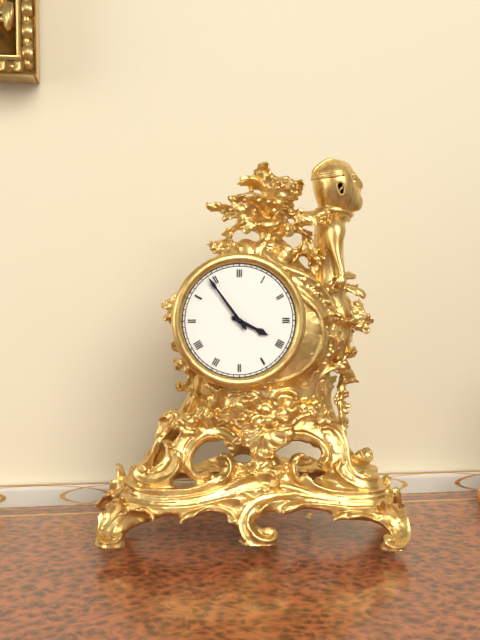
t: 3:54
